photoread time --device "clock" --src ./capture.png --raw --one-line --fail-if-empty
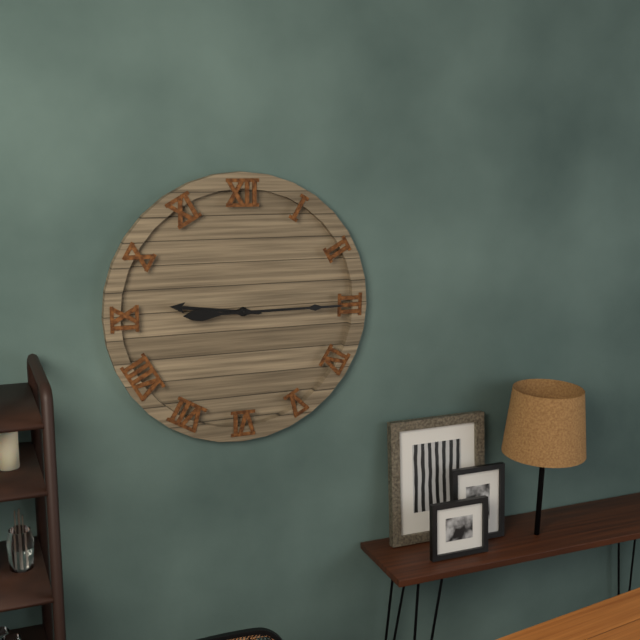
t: 9:15
